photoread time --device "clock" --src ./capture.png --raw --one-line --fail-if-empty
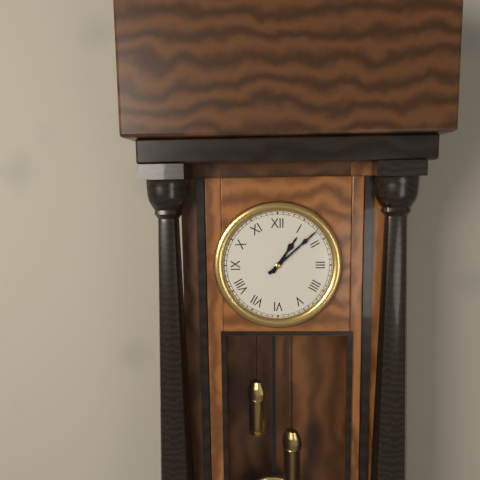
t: 1:08
